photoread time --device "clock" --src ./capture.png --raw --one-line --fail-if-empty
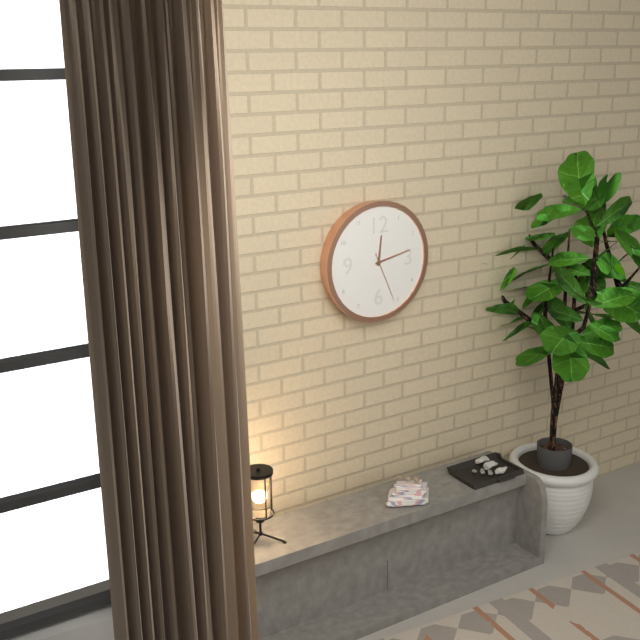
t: 12:13
